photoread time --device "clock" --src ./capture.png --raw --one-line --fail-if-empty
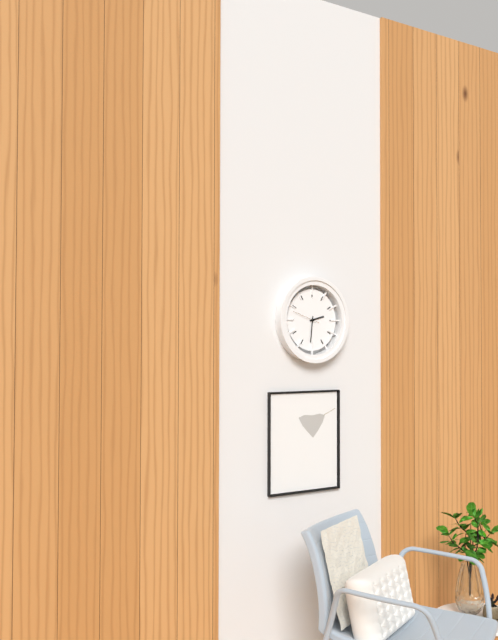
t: 2:31
